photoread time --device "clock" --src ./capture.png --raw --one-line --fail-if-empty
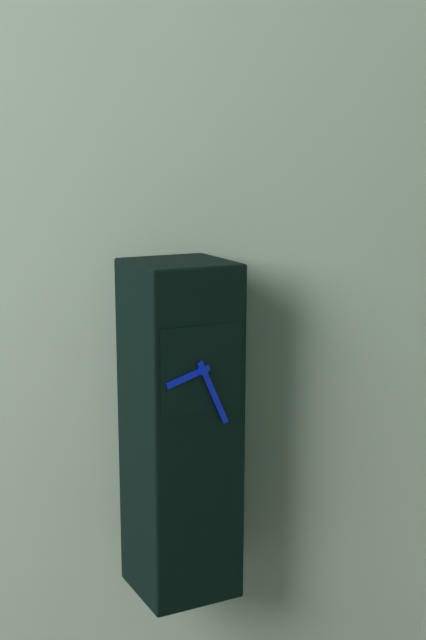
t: 8:26
